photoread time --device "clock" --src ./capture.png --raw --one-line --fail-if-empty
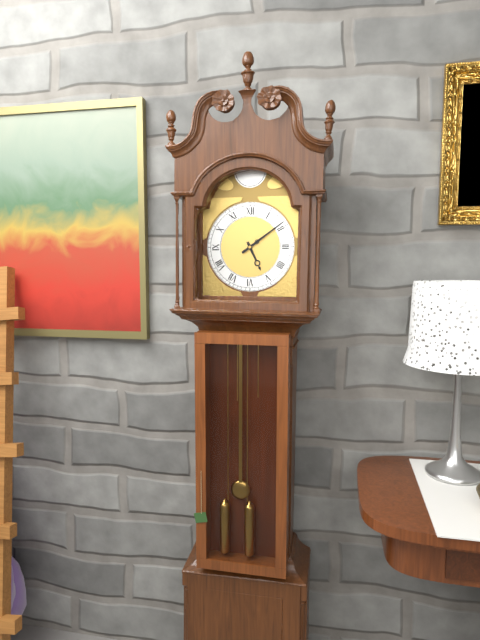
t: 5:09
